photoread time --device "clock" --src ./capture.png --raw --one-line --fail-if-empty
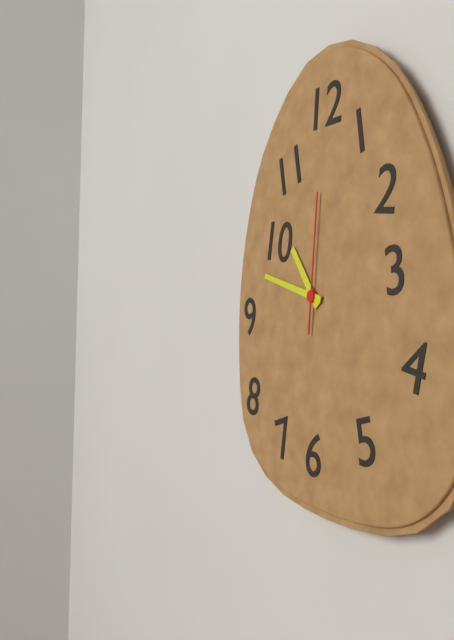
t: 10:48:01
